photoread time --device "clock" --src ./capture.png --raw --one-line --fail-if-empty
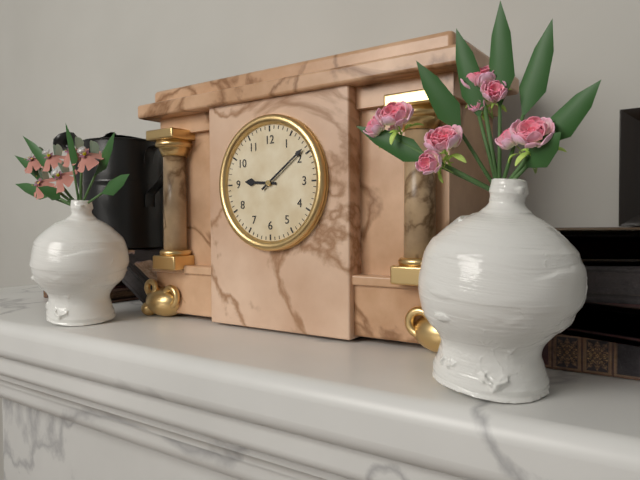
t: 9:09
